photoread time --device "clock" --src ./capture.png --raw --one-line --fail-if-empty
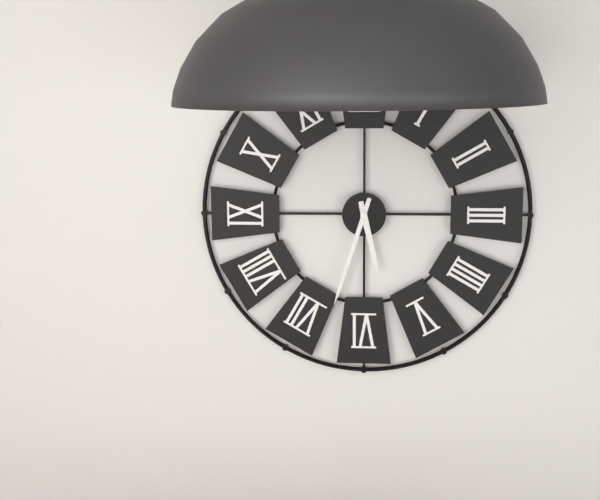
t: 5:33
